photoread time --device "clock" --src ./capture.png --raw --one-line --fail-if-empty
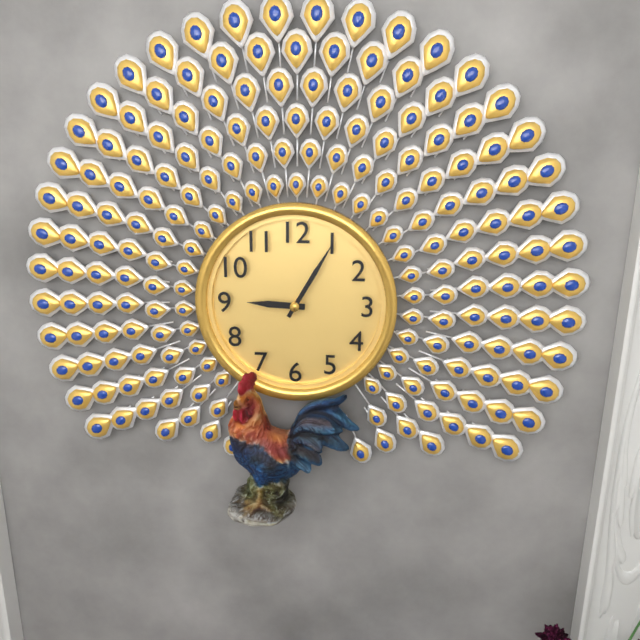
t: 9:05
